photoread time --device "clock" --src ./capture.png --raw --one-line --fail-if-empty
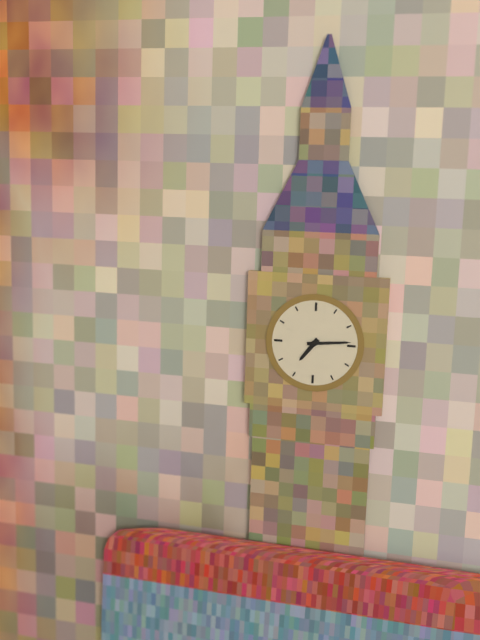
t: 7:14
